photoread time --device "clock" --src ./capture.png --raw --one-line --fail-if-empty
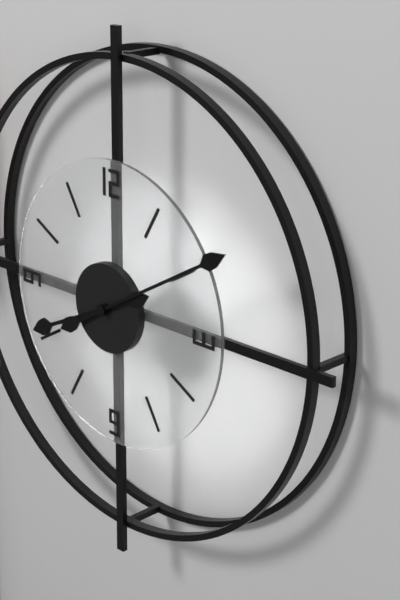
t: 8:10
